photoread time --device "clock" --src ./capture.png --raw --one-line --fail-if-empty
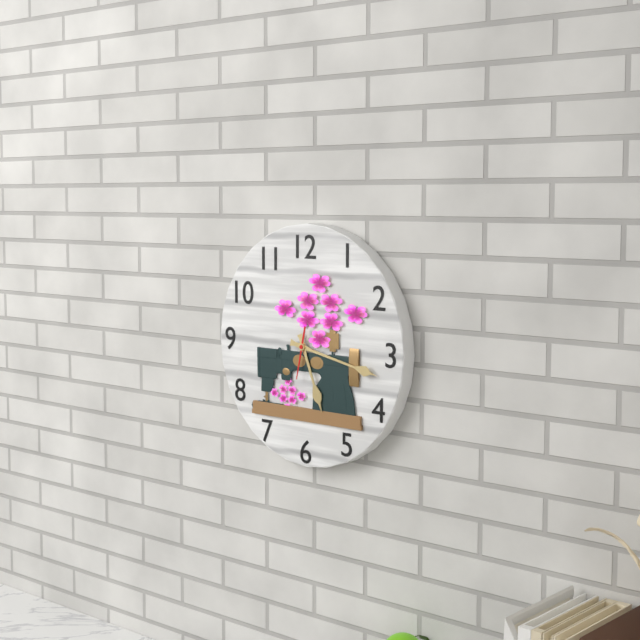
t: 5:17
